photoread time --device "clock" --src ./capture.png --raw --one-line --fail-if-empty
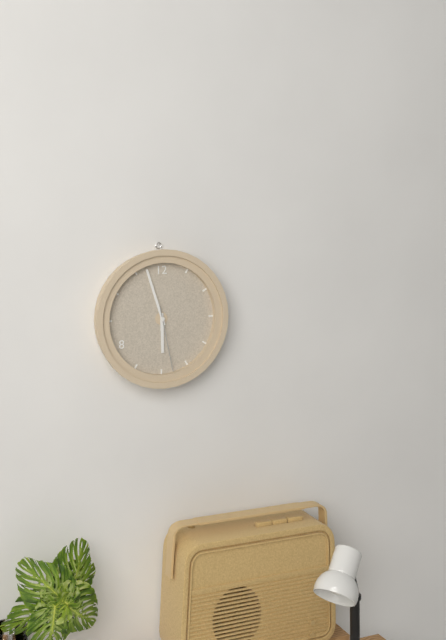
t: 5:57:28
